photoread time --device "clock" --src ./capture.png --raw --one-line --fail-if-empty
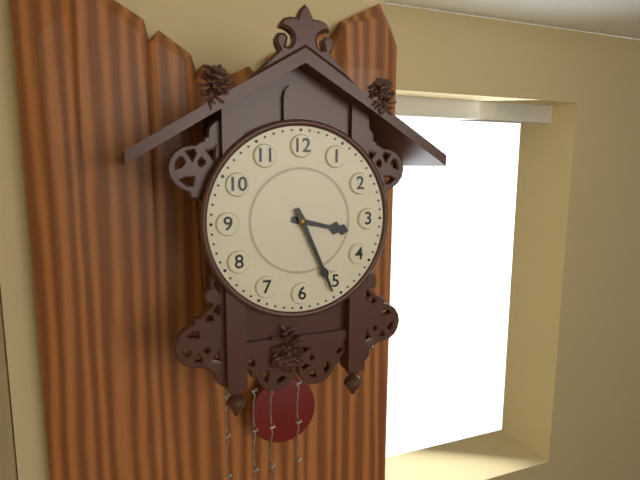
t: 3:26
